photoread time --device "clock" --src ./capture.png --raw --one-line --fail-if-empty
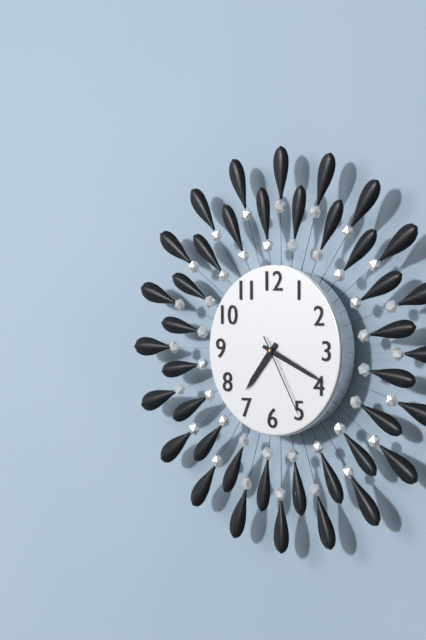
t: 7:19:25
